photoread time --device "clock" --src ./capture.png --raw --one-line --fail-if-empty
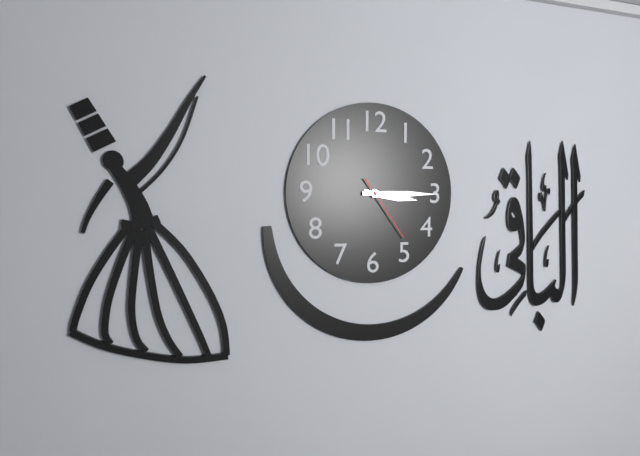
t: 3:15:24
